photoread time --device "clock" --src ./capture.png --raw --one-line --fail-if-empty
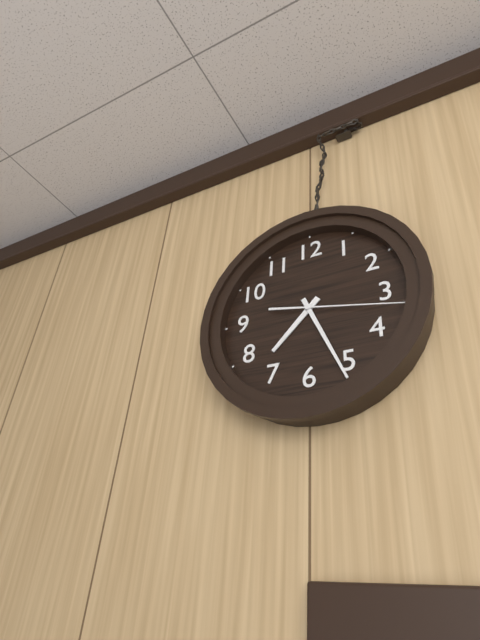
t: 7:26:17
